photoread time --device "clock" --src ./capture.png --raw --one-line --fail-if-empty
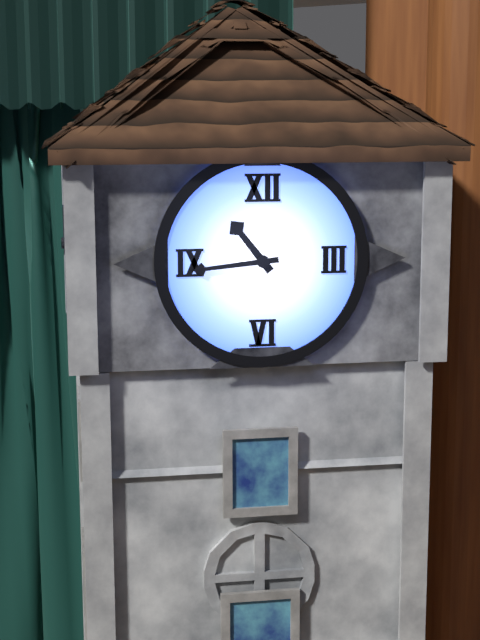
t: 10:44
